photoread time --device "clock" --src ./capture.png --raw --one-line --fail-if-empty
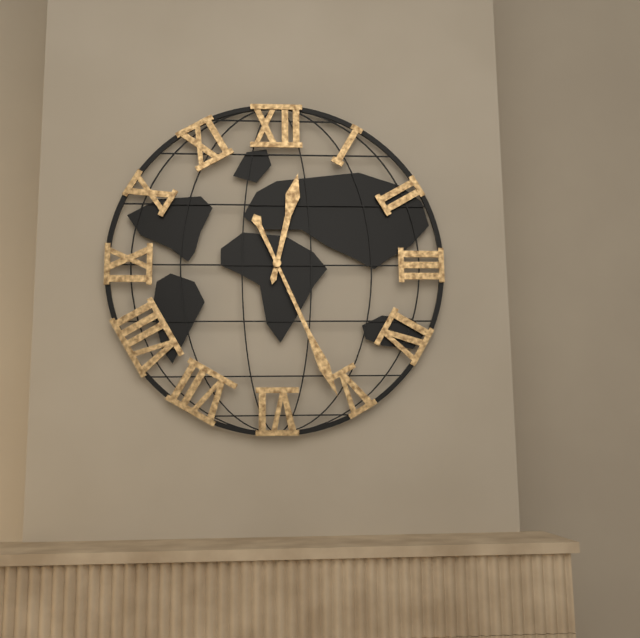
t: 12:26
